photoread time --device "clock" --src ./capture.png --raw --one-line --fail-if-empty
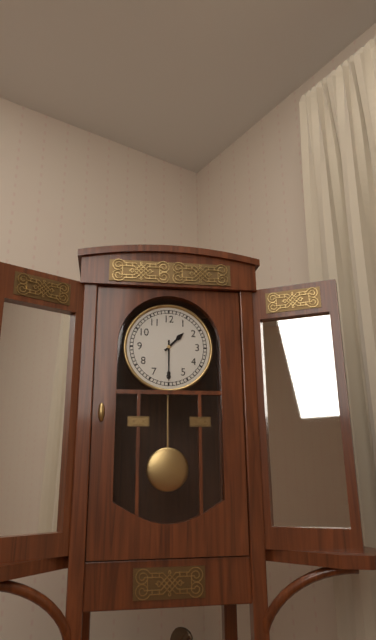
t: 1:30
